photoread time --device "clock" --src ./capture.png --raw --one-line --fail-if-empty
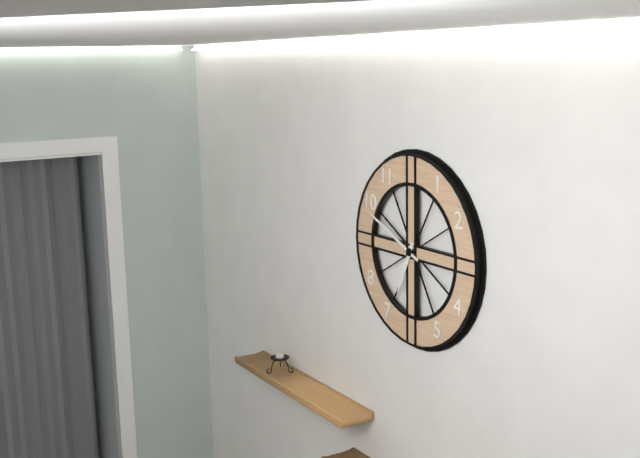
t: 6:49
